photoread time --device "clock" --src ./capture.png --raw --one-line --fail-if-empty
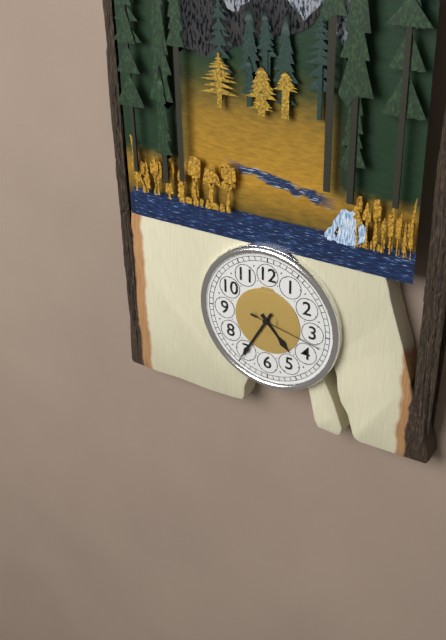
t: 4:35:17
